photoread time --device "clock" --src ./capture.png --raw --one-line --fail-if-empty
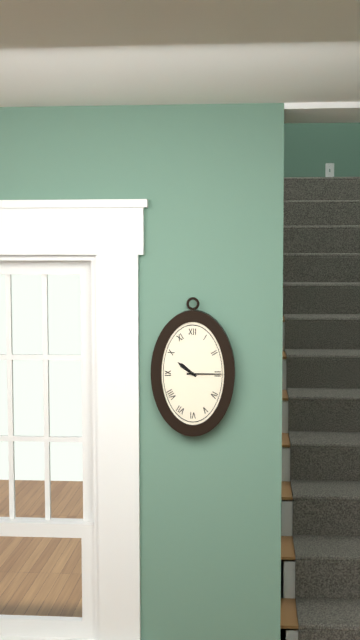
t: 10:15
